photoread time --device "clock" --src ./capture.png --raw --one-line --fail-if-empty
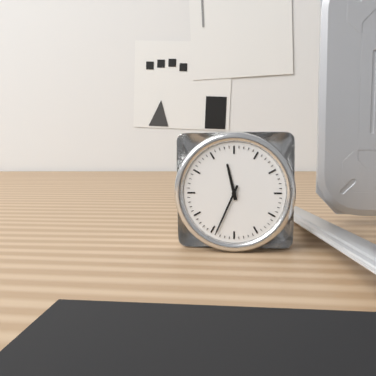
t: 11:34
